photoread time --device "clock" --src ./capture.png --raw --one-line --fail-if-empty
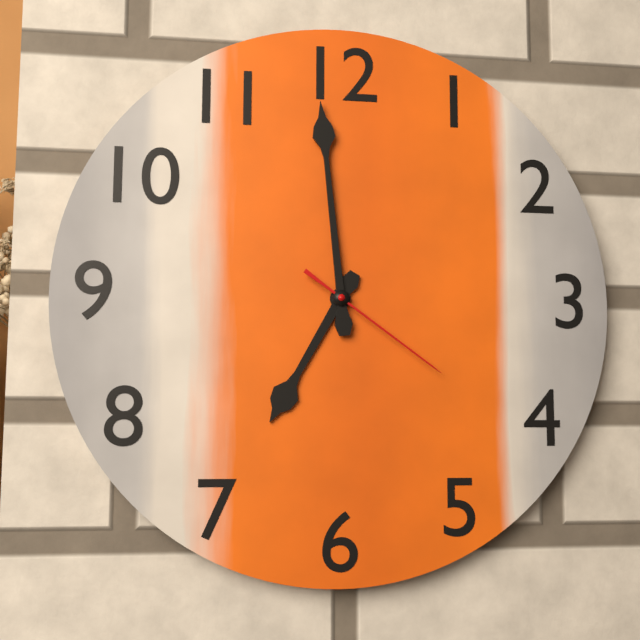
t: 6:59:21
